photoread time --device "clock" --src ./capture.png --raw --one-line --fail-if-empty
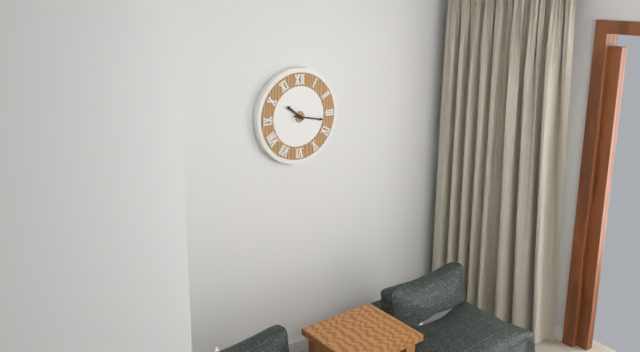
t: 10:17
